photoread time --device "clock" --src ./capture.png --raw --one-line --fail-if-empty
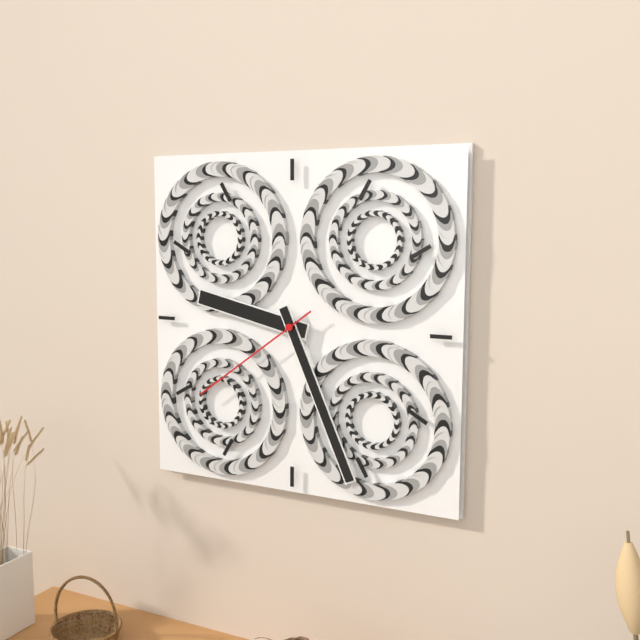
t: 9:26:39
